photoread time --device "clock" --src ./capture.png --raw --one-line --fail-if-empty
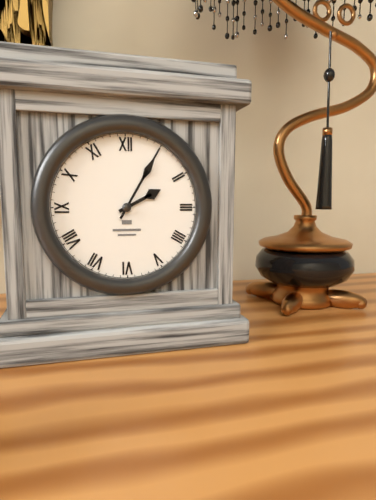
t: 2:05
